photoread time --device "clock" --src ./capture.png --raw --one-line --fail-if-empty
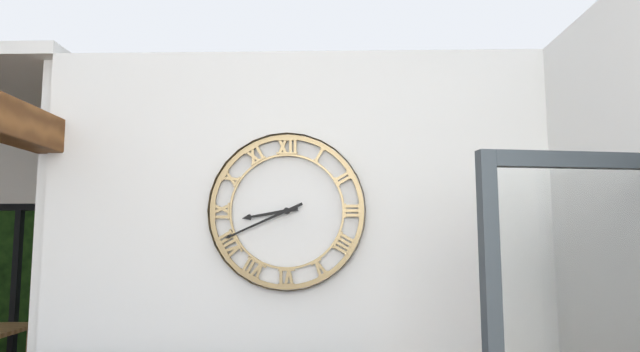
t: 8:41
